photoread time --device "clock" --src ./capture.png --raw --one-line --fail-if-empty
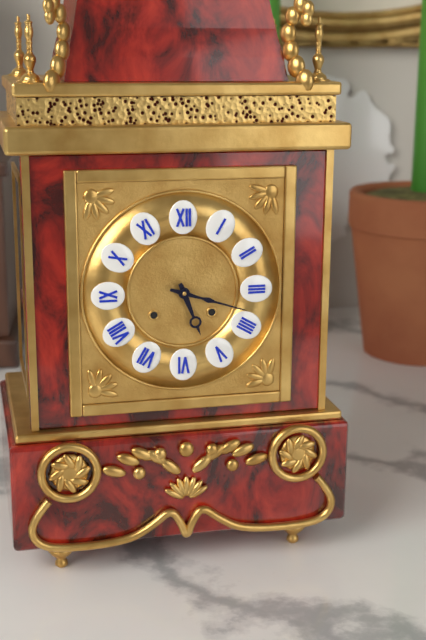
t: 5:18
